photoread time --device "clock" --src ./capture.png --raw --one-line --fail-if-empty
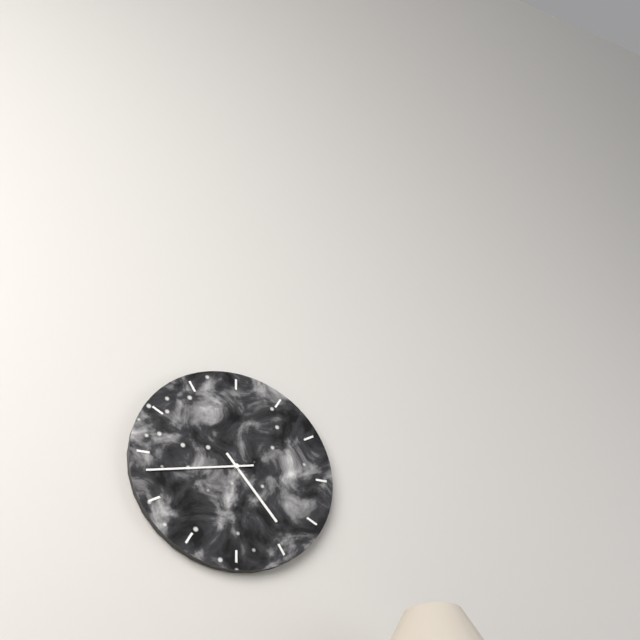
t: 4:43
